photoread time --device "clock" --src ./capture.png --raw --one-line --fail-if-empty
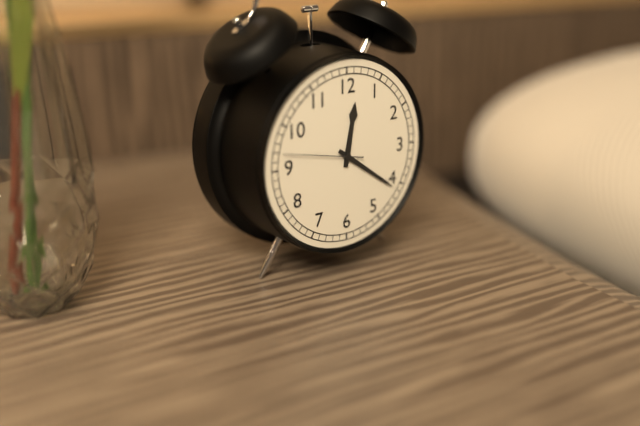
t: 12:21:47
